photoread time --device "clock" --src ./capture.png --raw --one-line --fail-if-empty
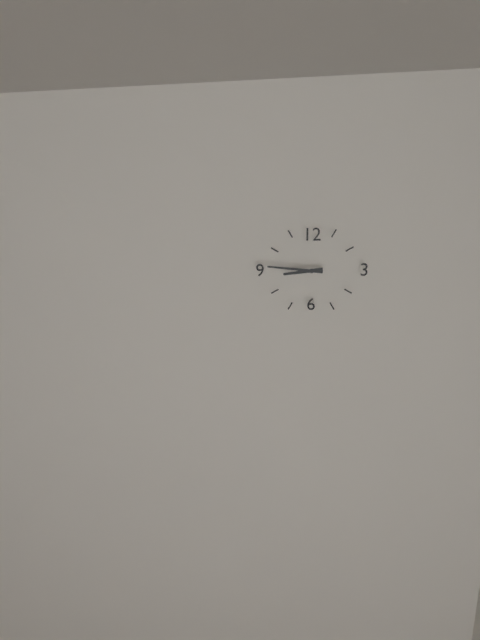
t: 8:46
